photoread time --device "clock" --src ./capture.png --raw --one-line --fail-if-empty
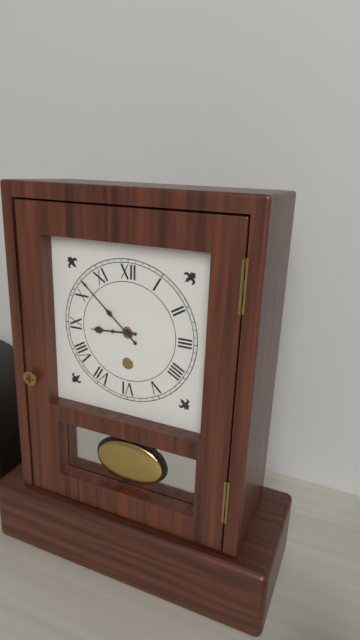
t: 8:52
